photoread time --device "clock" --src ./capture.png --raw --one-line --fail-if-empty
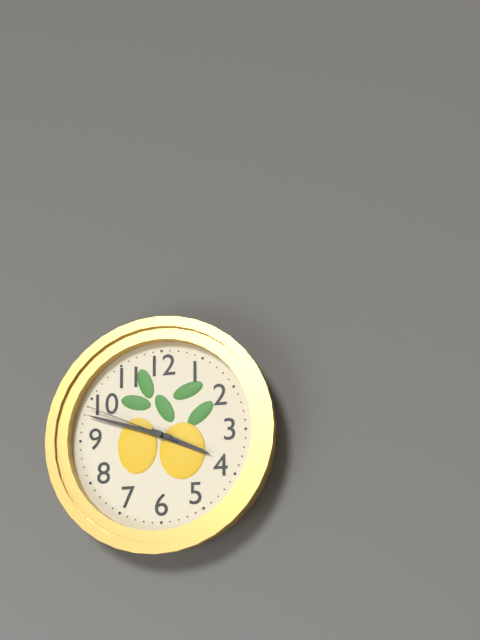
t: 3:48:49
